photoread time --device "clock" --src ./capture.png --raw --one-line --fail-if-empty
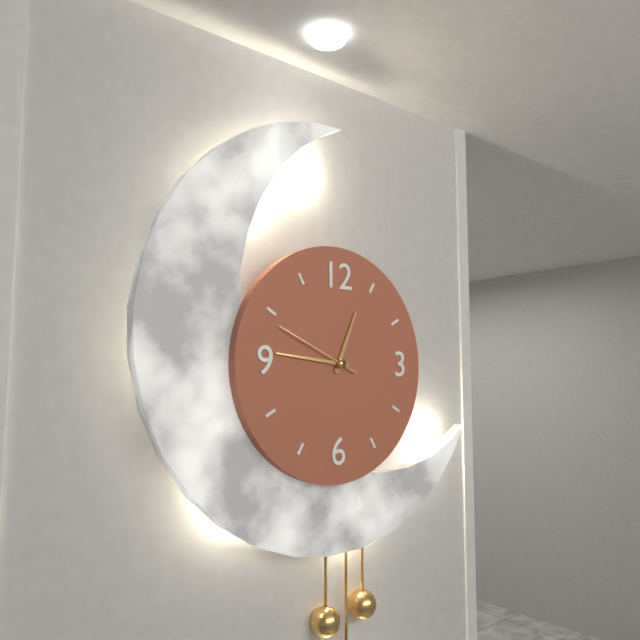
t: 12:46:49
